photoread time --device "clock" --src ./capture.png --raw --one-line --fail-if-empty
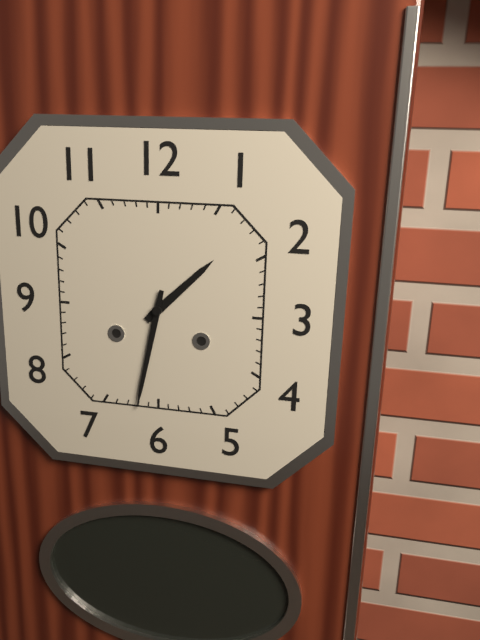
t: 1:32
